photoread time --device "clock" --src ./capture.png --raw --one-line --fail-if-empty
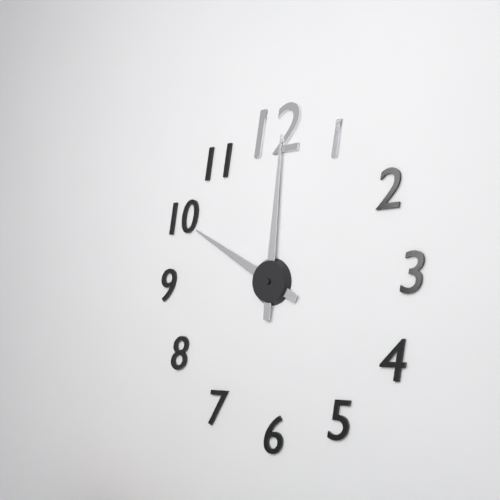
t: 10:01
